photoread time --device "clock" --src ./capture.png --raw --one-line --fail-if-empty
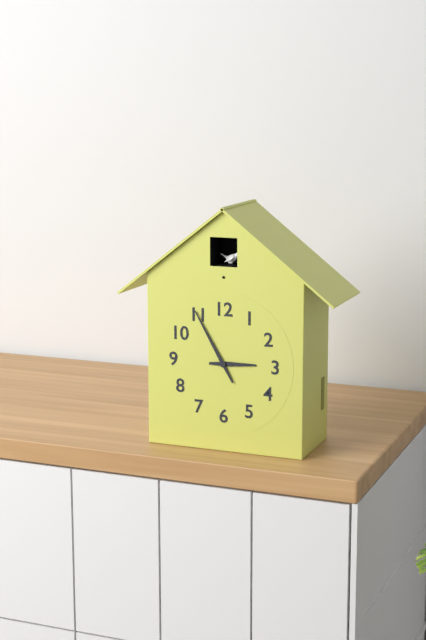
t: 2:55
